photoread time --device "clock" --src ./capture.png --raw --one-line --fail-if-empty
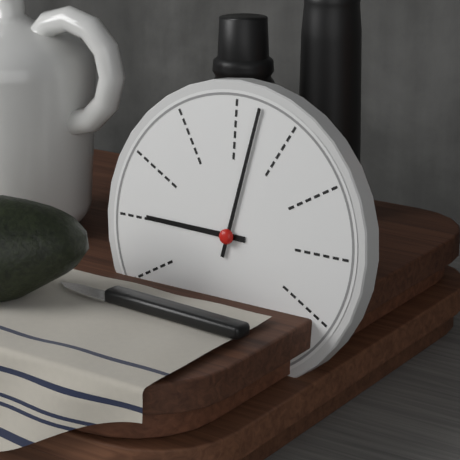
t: 9:02
